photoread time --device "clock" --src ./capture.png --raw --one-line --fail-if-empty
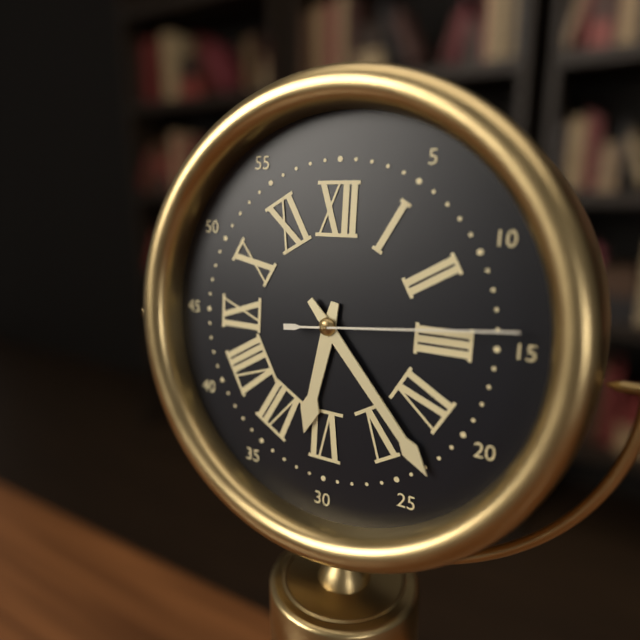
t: 6:23:14
